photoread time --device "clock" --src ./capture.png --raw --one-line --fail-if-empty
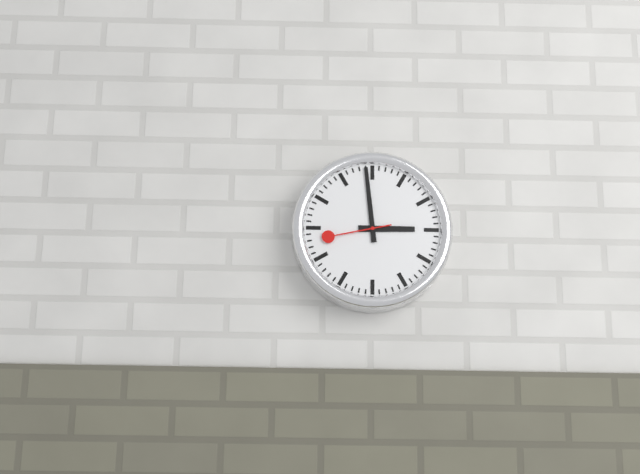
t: 2:59:43
